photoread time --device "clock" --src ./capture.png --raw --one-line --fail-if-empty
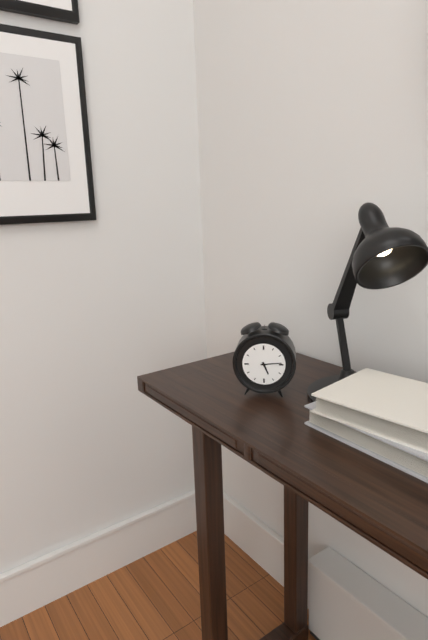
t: 5:14
